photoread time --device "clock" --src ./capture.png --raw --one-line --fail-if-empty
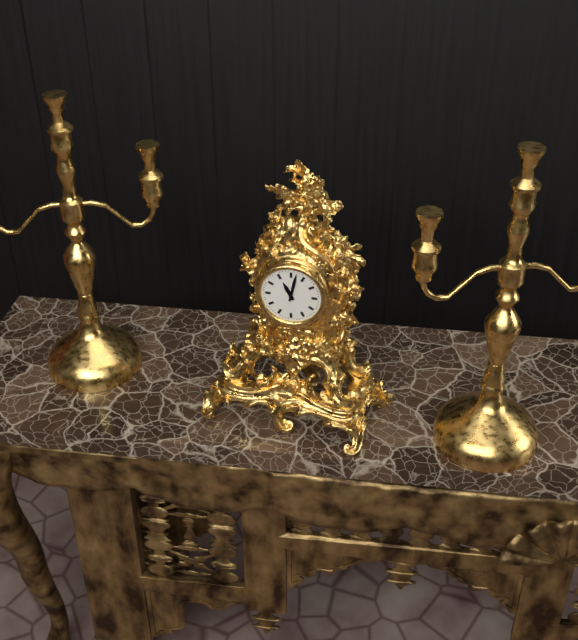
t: 11:02
